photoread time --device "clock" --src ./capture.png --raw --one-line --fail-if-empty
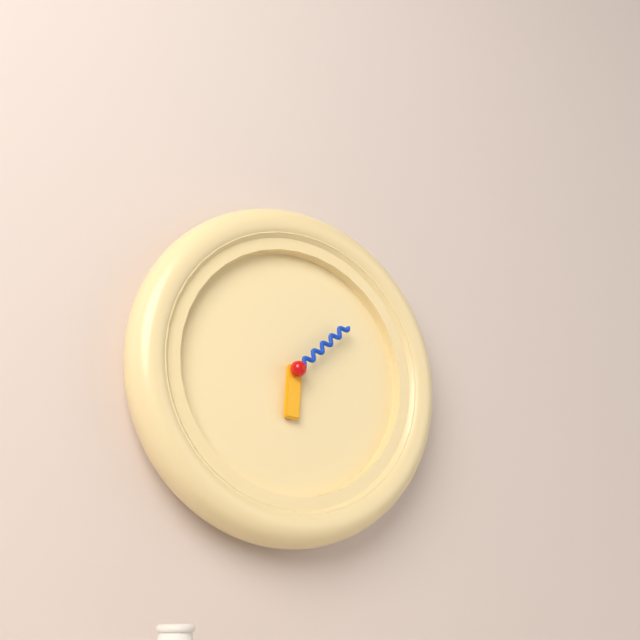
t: 6:08
